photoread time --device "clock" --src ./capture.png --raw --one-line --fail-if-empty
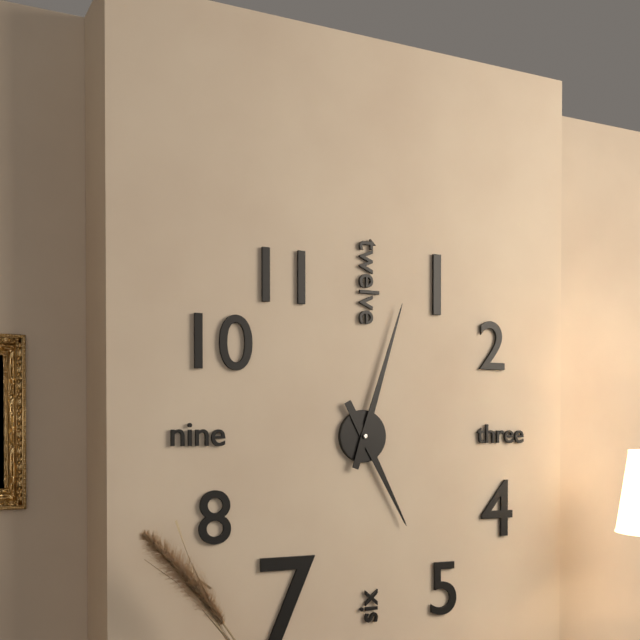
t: 5:03
